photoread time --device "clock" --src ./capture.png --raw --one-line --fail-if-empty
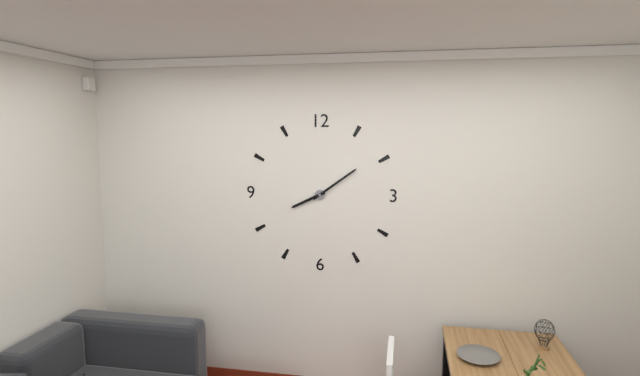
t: 8:09
